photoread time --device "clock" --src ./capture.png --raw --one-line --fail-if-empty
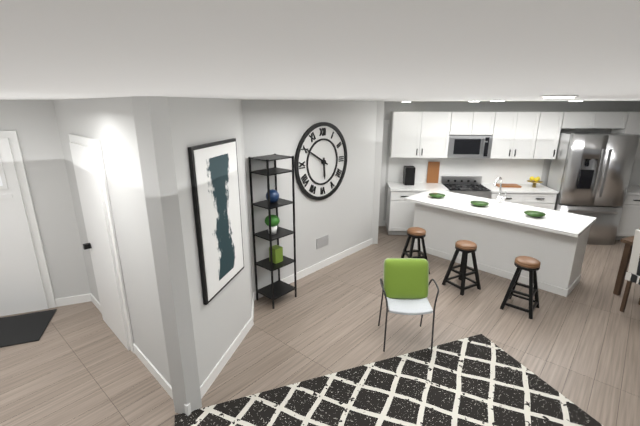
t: 5:50
